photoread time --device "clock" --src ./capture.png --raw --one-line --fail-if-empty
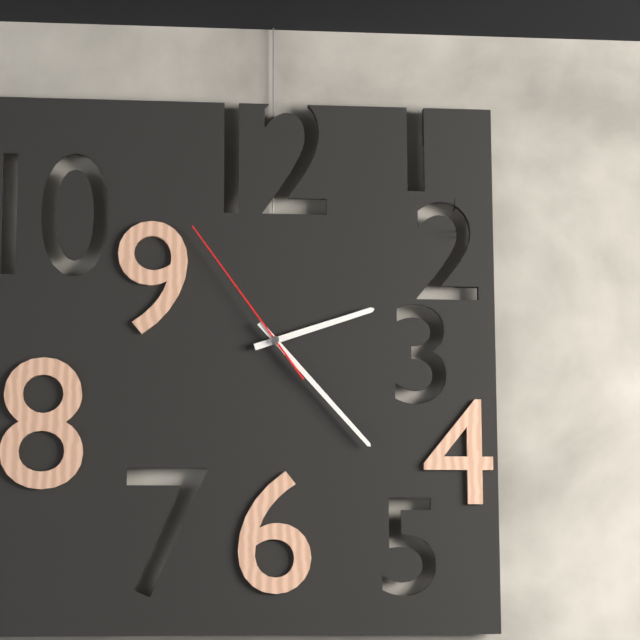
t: 2:23:54
